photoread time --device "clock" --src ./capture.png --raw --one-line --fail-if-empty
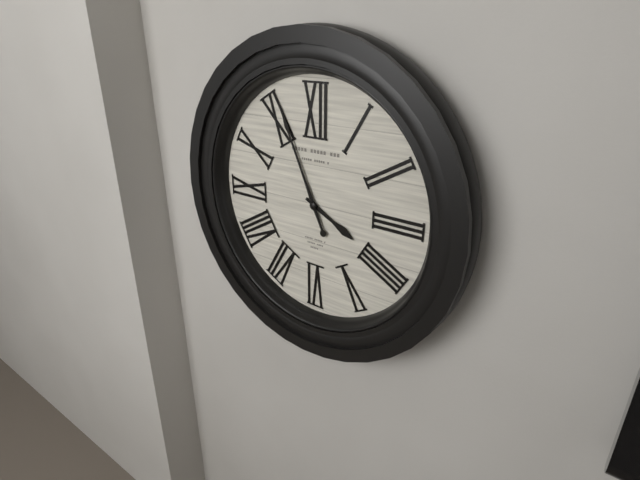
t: 3:56
